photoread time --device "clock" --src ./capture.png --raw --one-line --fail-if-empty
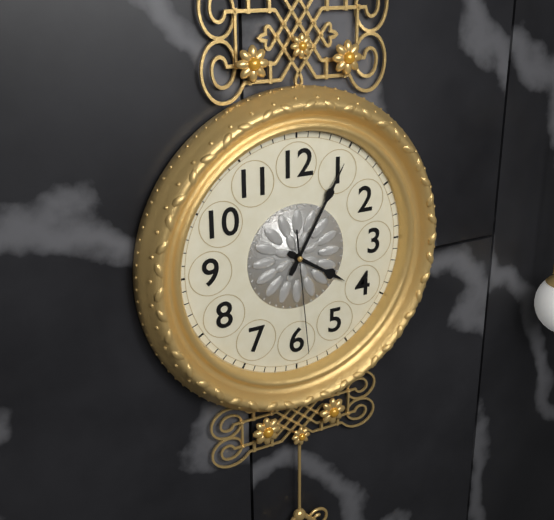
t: 4:05:29
